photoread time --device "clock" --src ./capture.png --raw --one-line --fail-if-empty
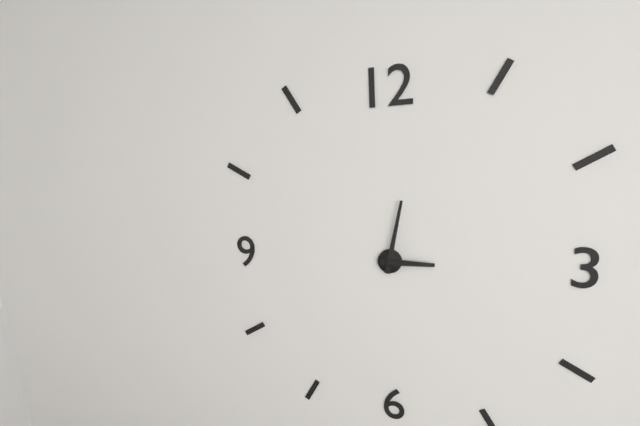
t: 3:02
